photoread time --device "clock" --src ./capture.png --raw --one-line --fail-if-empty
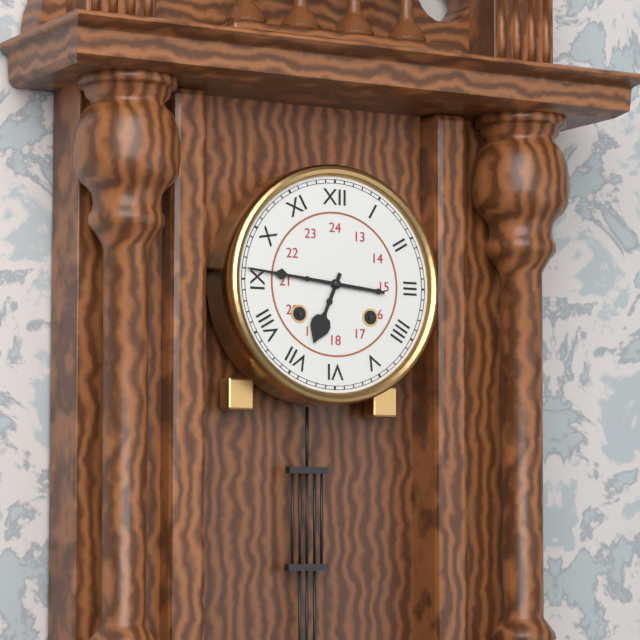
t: 6:46
